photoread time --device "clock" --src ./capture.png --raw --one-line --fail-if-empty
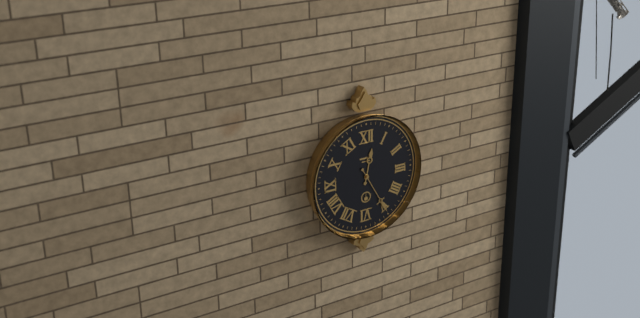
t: 12:25
